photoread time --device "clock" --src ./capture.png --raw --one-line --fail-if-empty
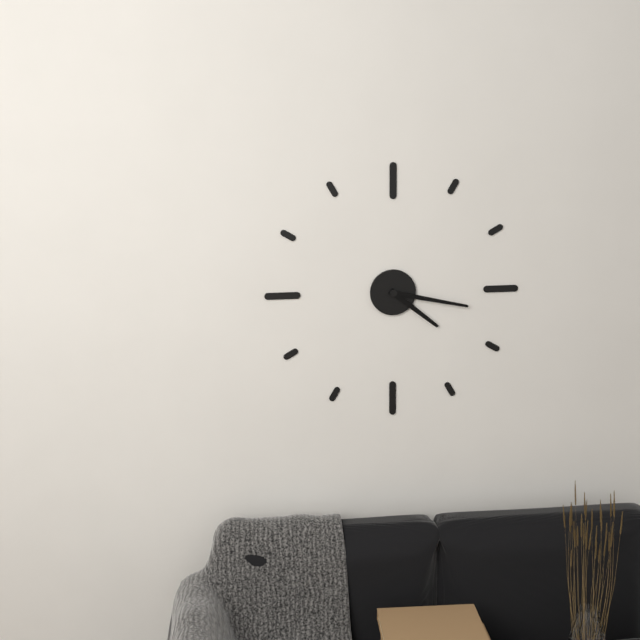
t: 4:17
